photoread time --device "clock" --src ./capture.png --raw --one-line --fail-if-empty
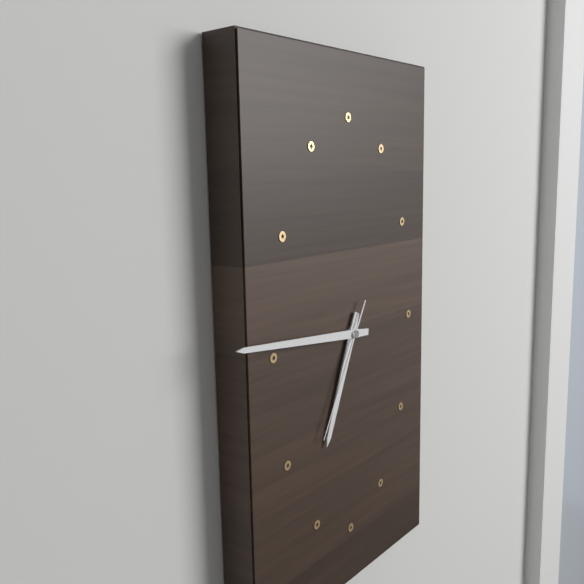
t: 6:46:35
